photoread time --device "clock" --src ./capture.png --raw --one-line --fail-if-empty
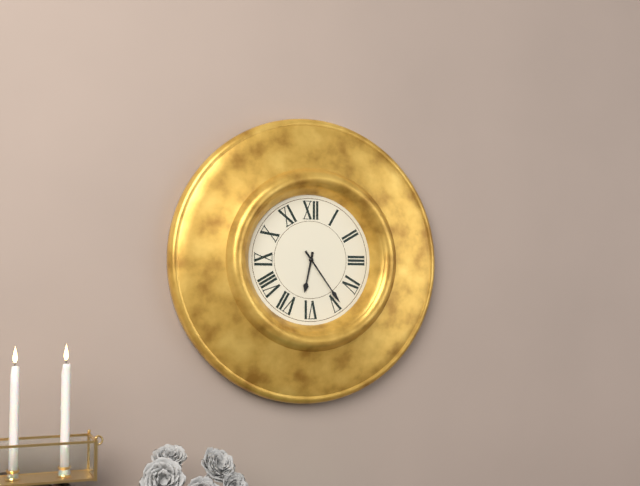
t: 6:24
